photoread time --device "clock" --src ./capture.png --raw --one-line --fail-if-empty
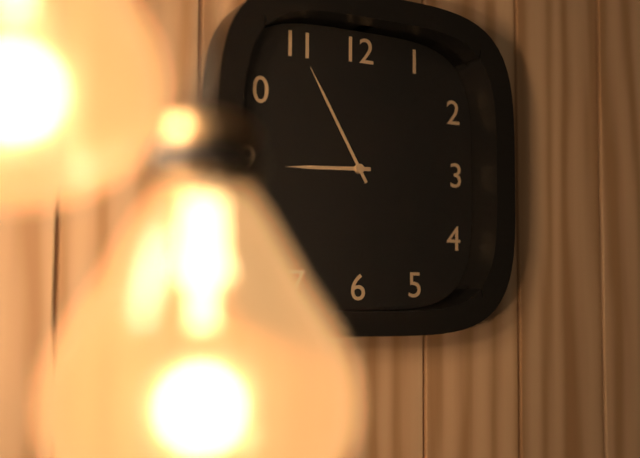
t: 8:55
